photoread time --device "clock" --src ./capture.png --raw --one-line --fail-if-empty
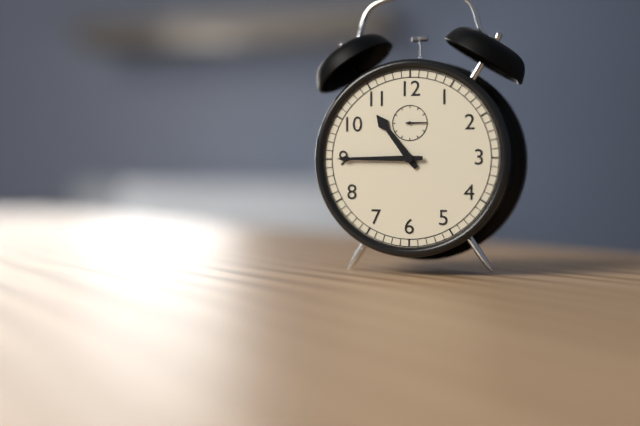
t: 10:45
